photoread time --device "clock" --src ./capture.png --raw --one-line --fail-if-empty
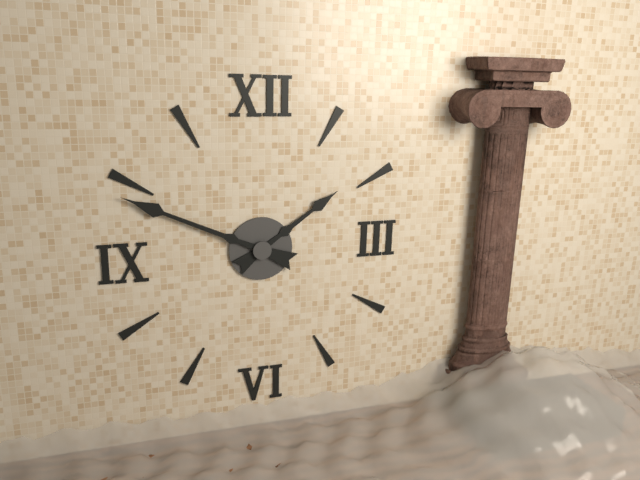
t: 1:49
